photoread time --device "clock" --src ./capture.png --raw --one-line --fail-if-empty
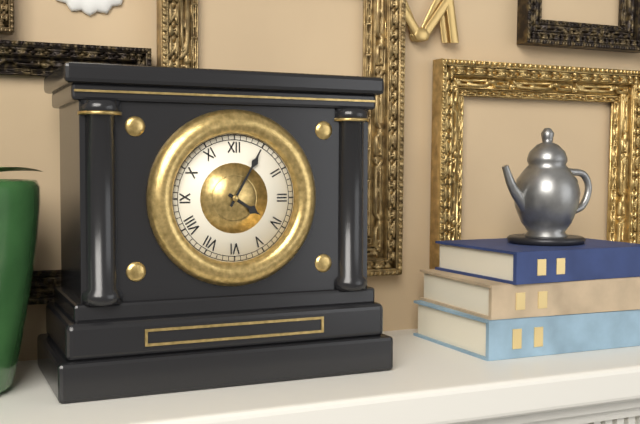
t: 4:05
